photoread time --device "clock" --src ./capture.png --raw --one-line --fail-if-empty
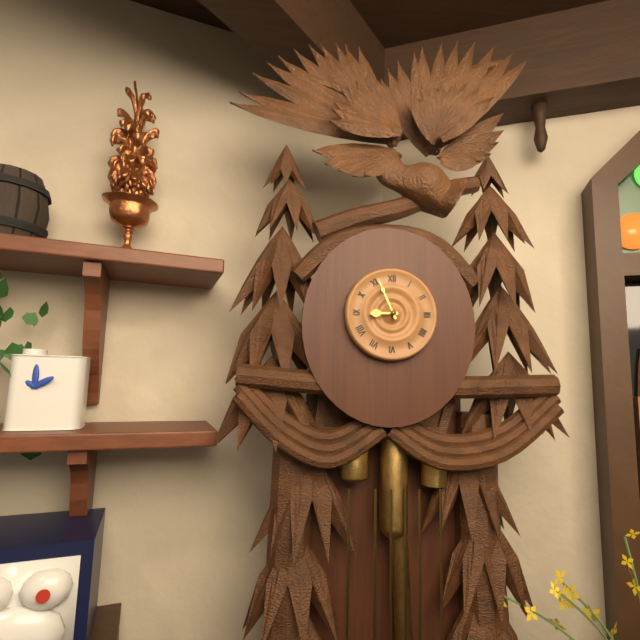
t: 8:56
